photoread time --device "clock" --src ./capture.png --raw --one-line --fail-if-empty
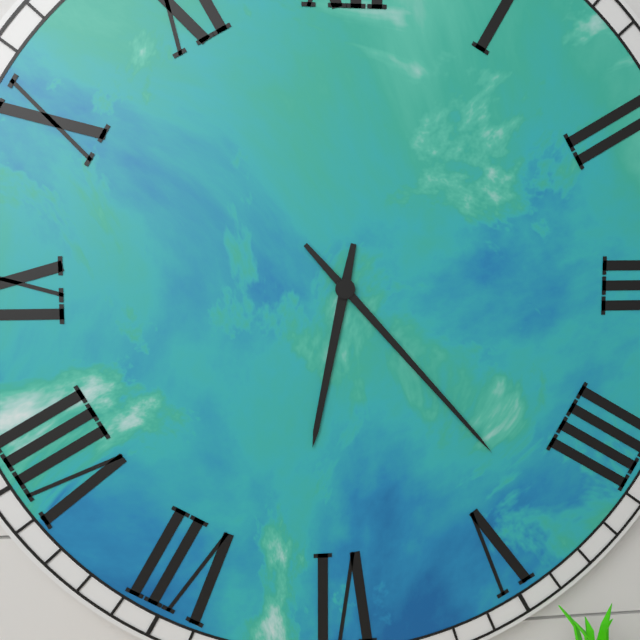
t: 6:23
